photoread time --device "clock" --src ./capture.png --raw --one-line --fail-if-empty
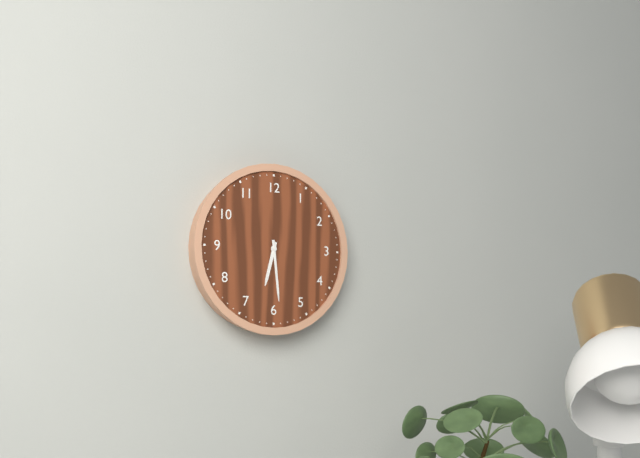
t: 6:29
